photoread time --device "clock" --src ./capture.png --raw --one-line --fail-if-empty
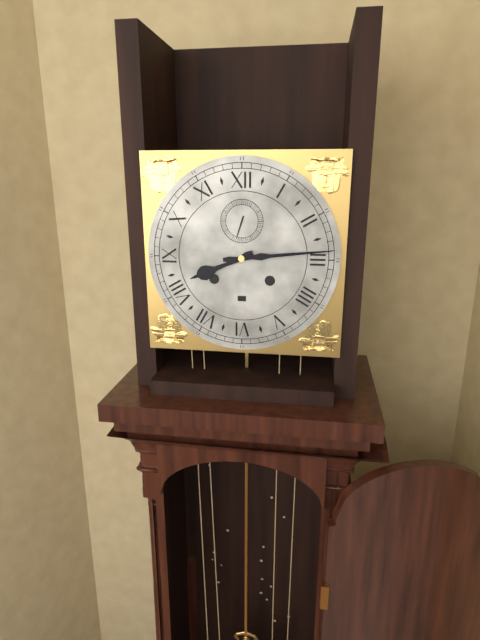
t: 8:14
